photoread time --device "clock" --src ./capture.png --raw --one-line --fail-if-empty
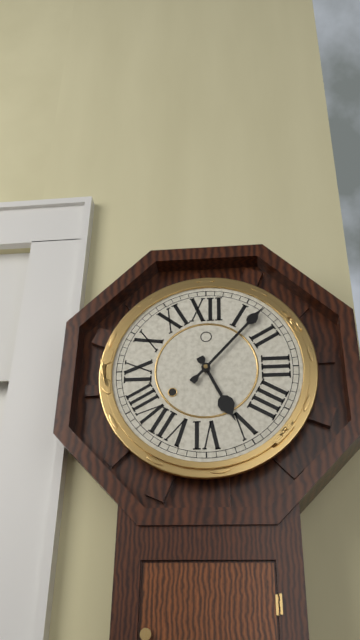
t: 5:07
